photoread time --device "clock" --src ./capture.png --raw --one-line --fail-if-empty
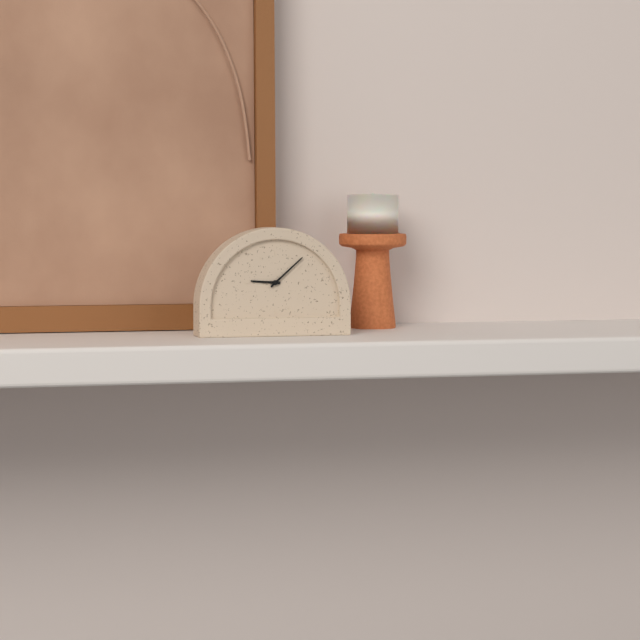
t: 9:08
